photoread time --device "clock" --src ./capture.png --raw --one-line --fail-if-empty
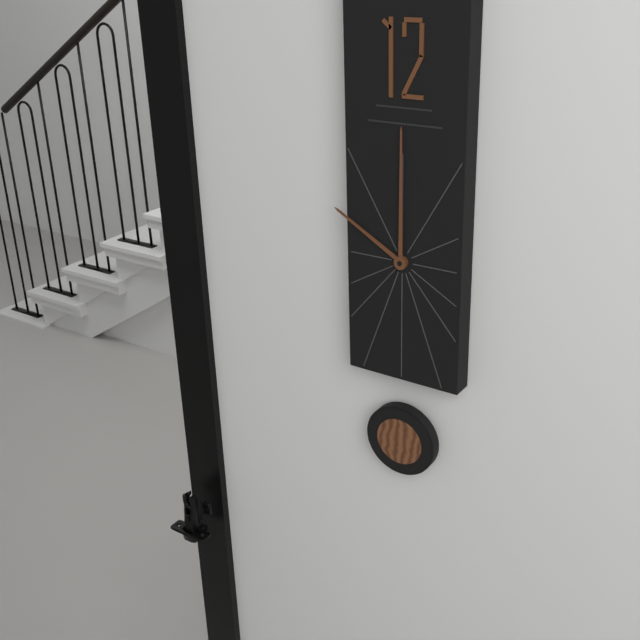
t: 10:00
